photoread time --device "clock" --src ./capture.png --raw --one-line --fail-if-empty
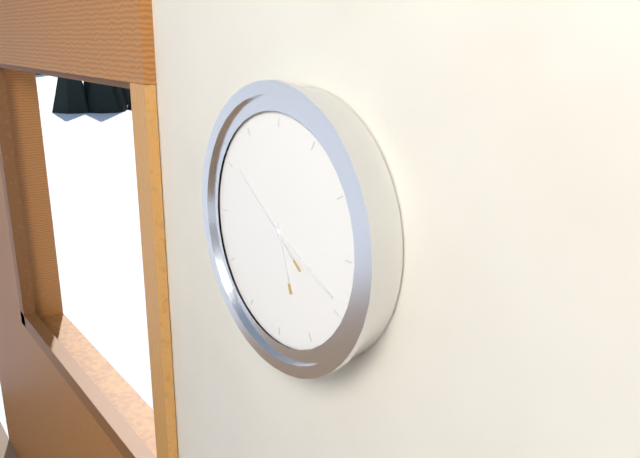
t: 5:19:51
